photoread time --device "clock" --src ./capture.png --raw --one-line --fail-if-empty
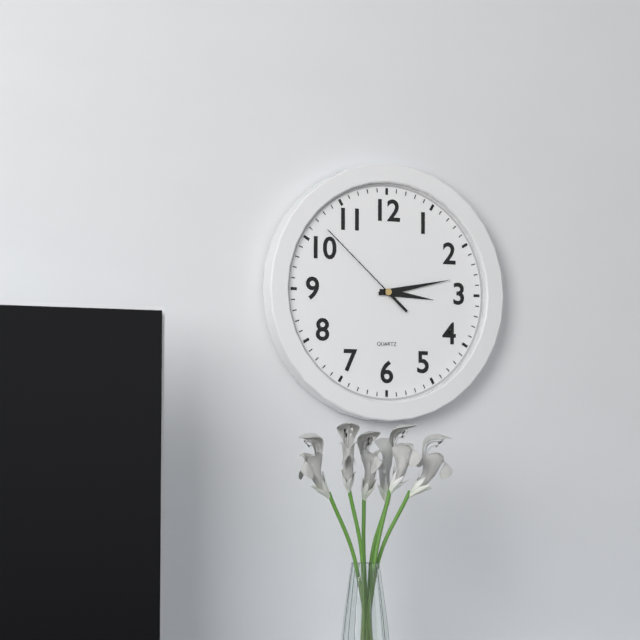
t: 3:13:52
